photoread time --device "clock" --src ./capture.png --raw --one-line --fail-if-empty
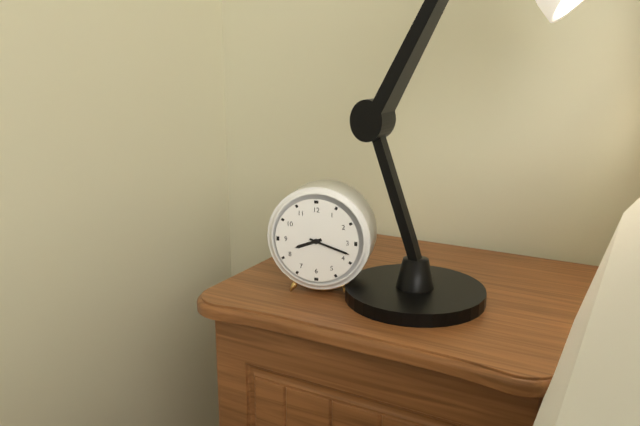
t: 8:18
